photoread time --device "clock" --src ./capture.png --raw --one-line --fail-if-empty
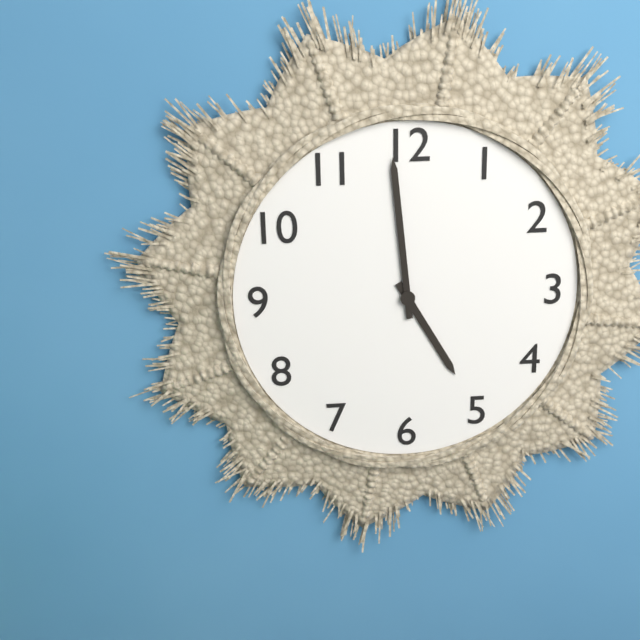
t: 4:59
